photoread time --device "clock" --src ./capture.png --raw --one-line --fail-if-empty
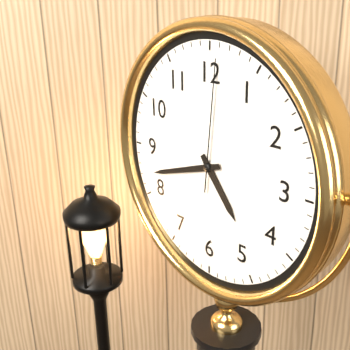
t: 4:42:01
